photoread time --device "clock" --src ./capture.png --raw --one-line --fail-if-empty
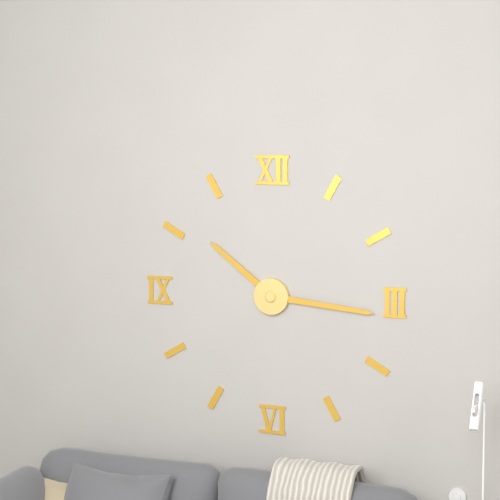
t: 10:16
